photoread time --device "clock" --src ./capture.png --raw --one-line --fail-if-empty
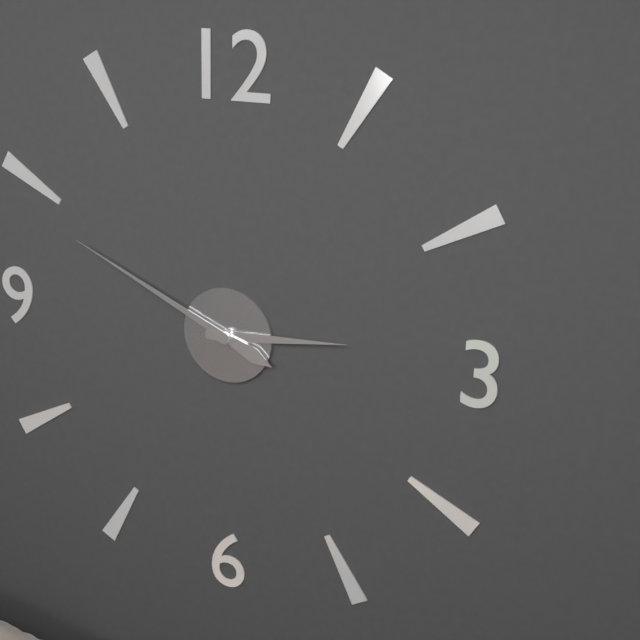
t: 2:49
